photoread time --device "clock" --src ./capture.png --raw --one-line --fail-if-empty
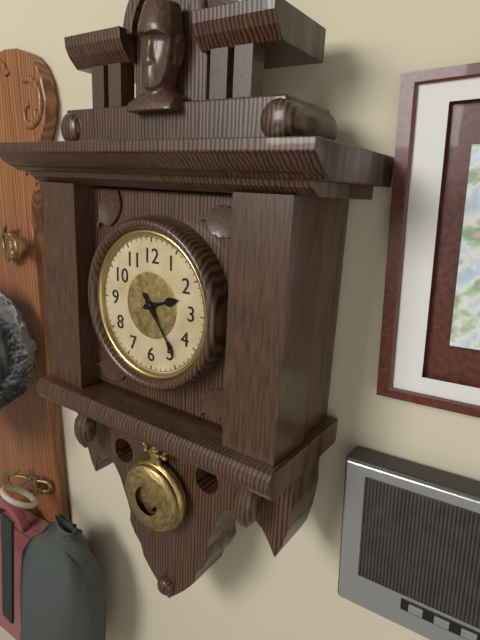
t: 2:24
